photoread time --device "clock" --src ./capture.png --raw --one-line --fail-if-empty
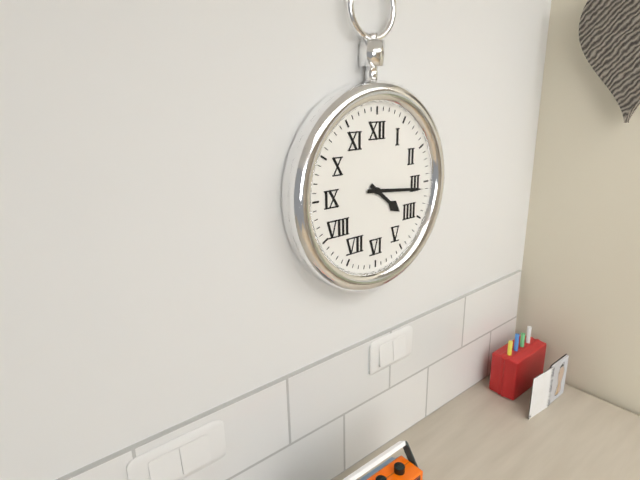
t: 4:16
